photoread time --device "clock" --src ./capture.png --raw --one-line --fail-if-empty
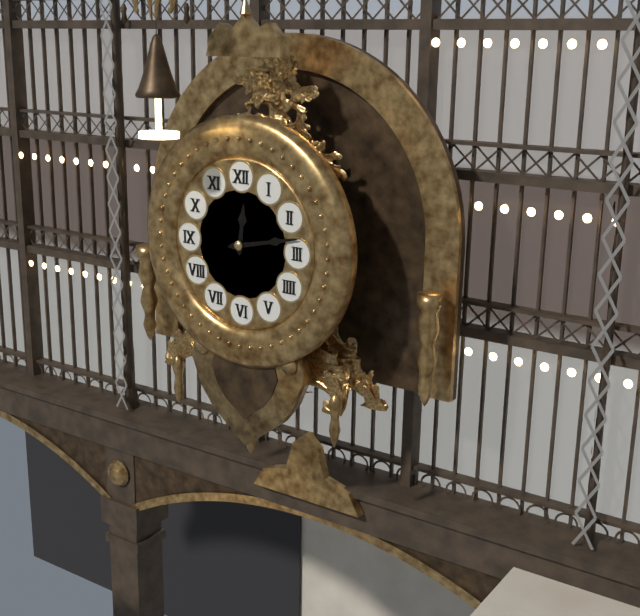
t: 12:13
